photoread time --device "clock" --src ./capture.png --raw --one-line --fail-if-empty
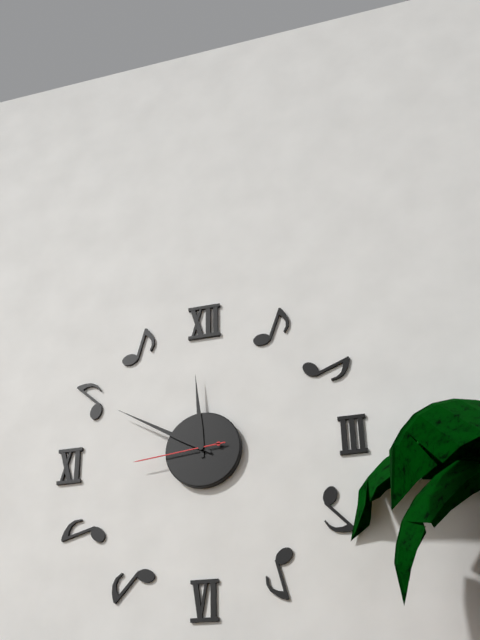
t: 11:50:44
